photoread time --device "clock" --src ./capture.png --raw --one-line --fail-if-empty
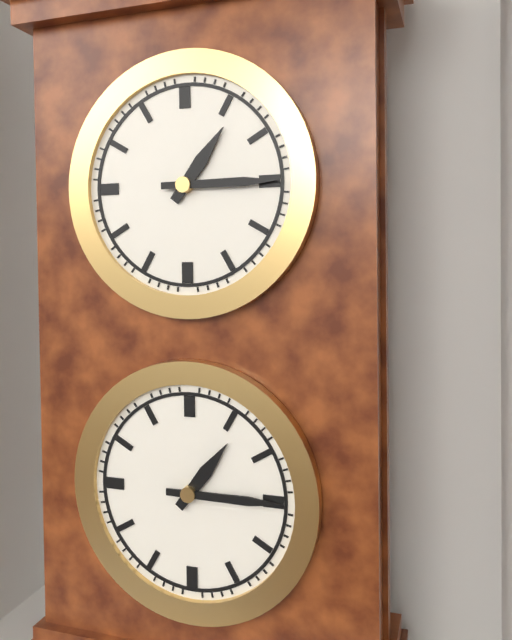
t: 1:15
